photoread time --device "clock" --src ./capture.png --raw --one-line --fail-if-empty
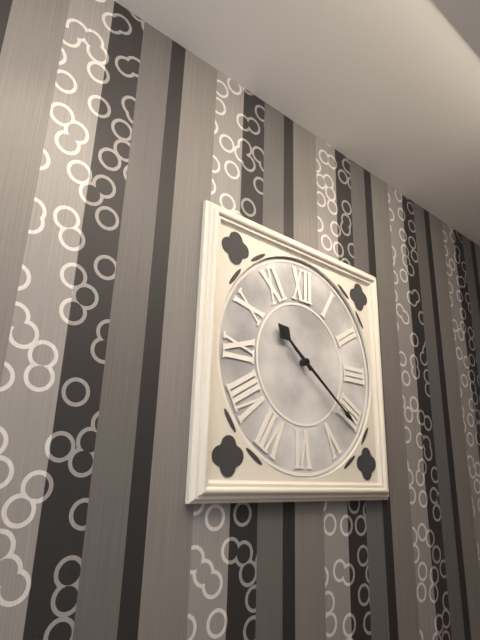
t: 10:21
